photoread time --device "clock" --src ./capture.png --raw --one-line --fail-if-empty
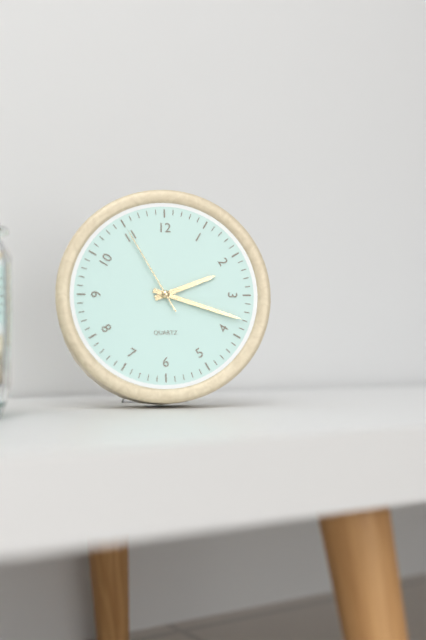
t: 2:18:55
